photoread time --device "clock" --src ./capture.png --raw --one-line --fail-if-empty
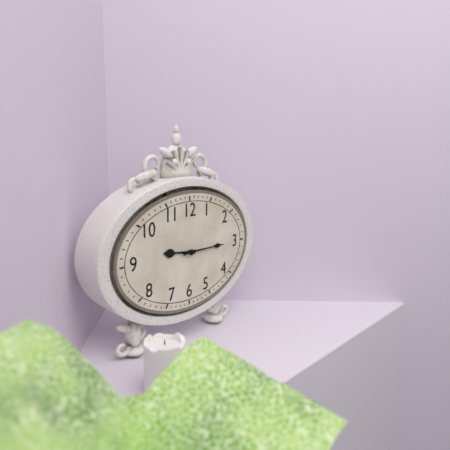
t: 9:15
